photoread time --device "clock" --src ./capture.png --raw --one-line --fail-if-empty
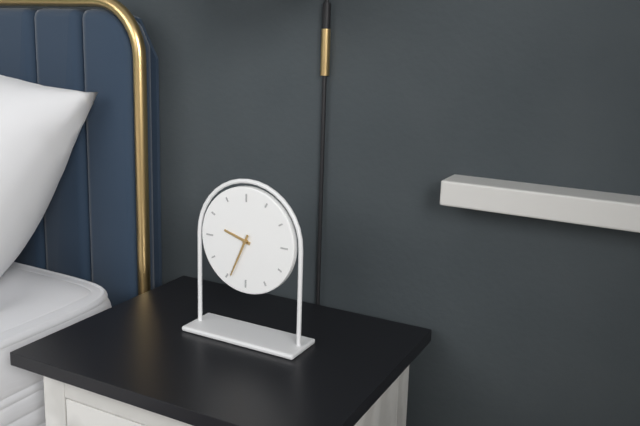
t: 9:34
